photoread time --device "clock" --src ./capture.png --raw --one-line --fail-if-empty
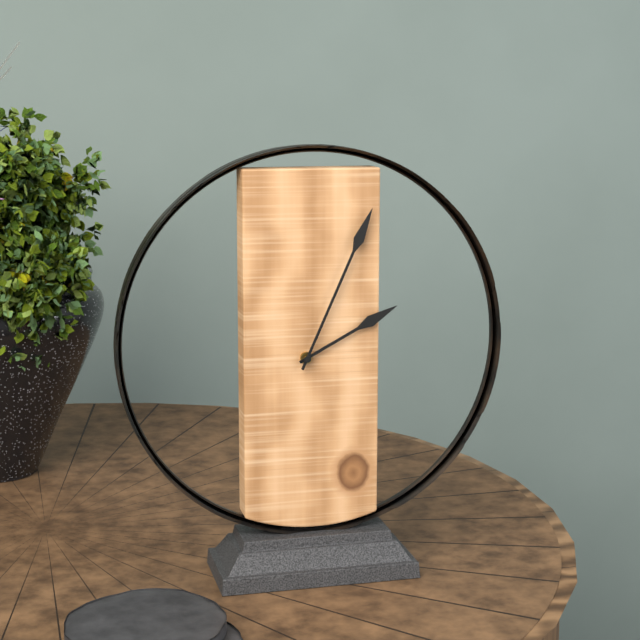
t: 2:04
